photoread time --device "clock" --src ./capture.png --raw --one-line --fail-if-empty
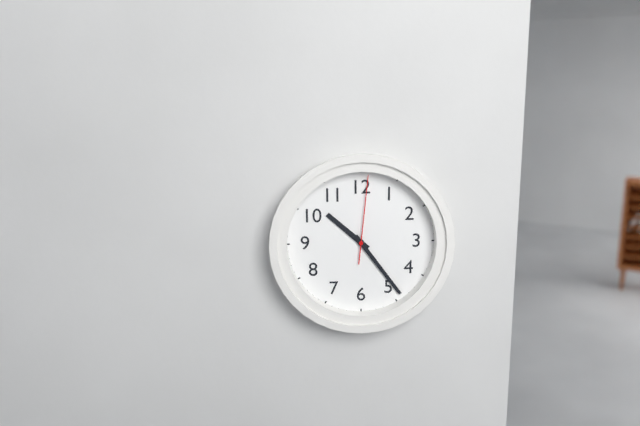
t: 10:24:01
